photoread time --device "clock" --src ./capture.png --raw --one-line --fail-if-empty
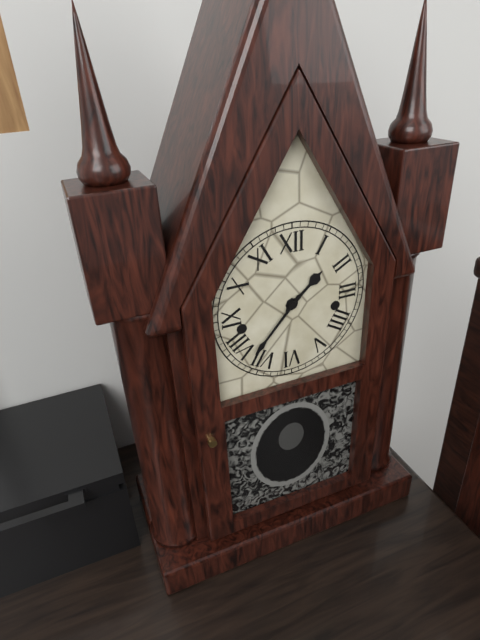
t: 1:37
